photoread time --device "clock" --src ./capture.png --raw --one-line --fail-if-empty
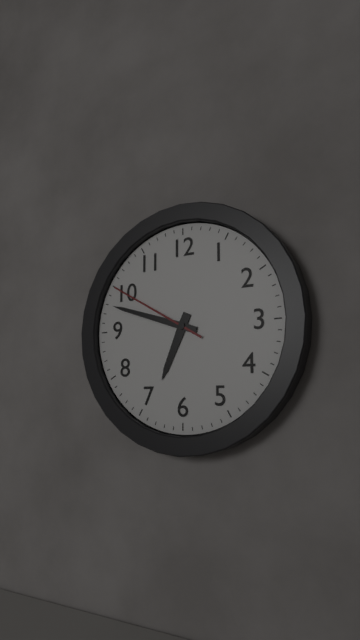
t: 6:48:50
